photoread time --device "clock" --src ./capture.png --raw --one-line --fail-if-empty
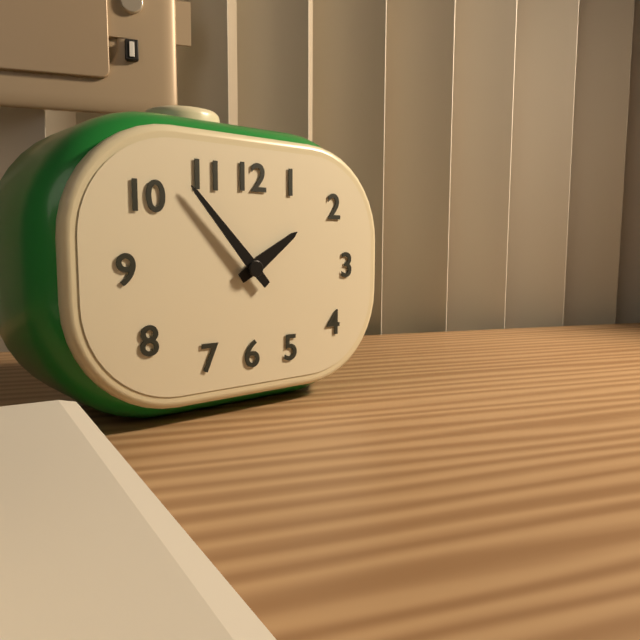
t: 1:53
